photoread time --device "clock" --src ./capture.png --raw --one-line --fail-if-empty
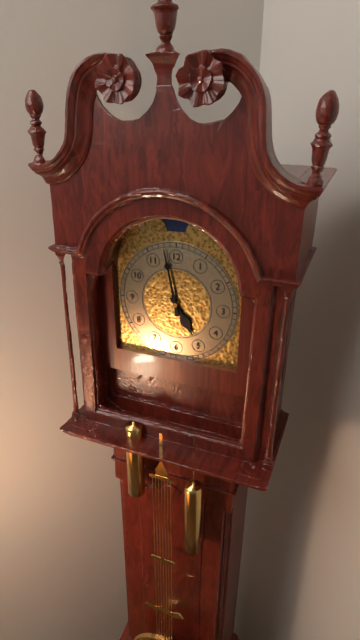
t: 4:58
